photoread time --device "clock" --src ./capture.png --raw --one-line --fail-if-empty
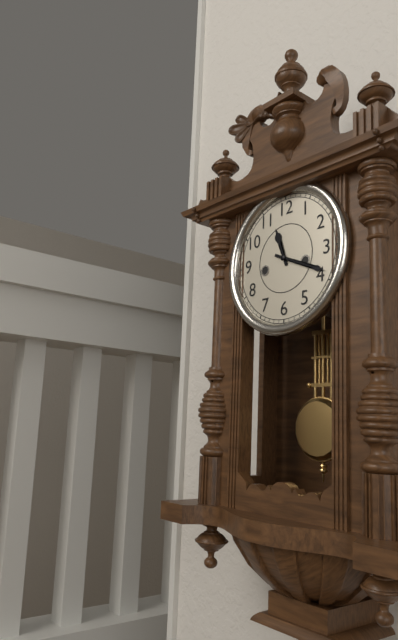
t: 11:19
